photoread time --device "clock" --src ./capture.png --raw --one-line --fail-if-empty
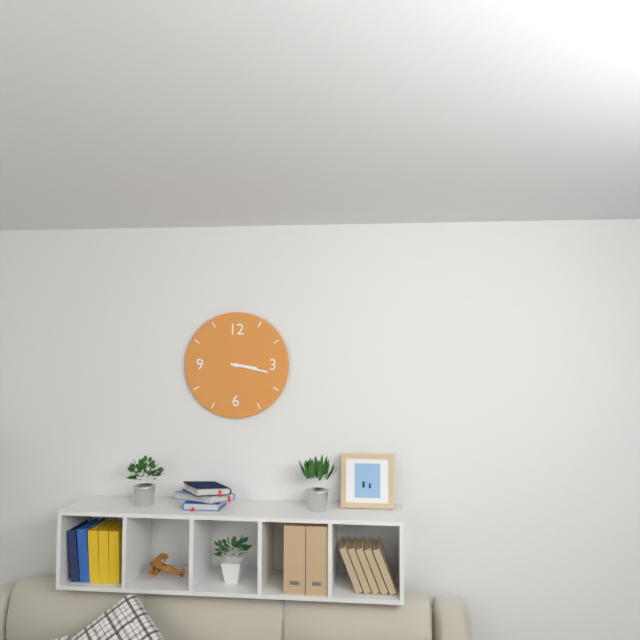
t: 3:17
